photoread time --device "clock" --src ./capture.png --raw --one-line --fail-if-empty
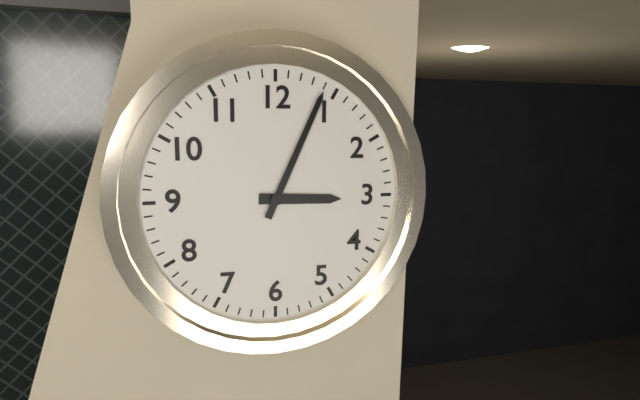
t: 3:04
